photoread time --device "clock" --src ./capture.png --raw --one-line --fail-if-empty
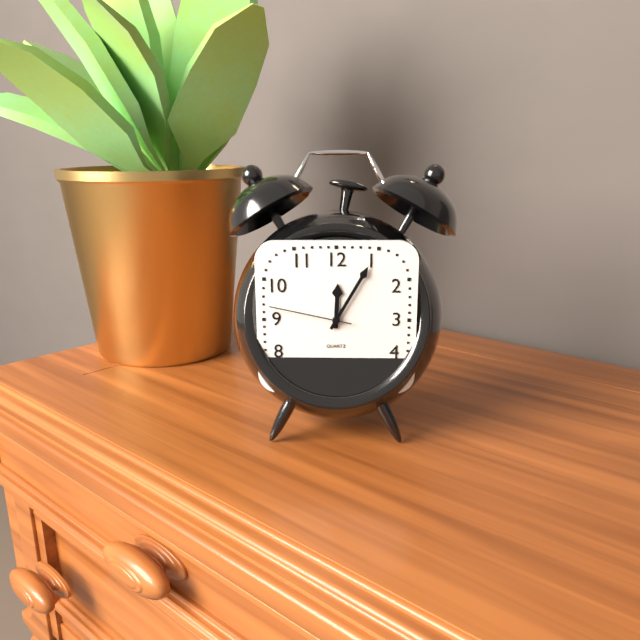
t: 12:05:47
